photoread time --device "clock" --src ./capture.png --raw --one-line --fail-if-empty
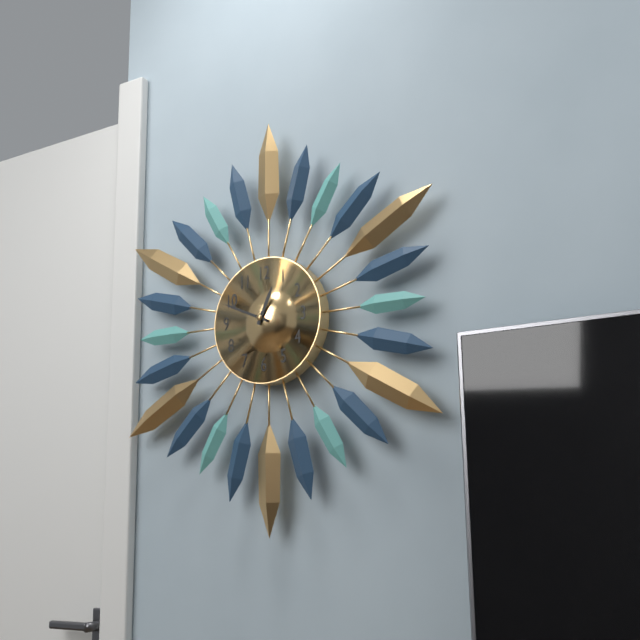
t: 12:49
